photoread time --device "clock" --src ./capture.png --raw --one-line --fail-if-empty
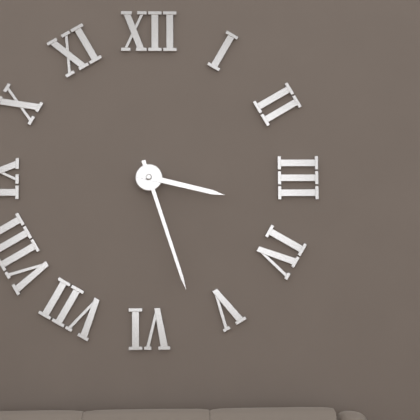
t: 3:27
